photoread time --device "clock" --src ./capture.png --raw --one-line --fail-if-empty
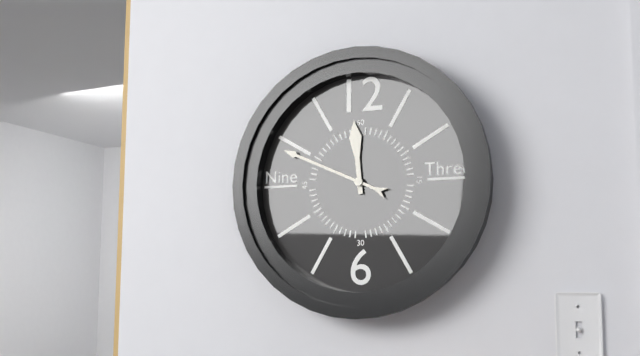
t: 11:49
